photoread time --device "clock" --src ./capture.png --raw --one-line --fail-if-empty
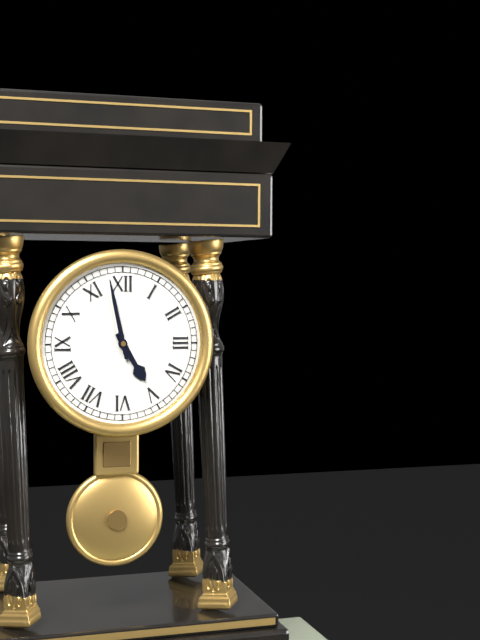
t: 4:58
